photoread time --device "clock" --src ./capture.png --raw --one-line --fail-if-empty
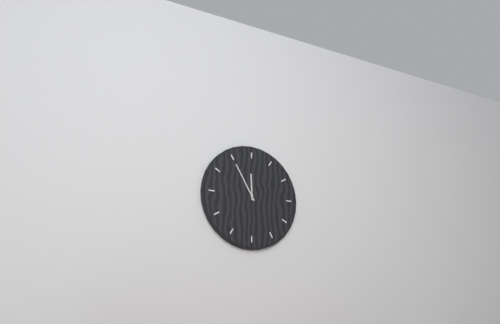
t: 11:55
